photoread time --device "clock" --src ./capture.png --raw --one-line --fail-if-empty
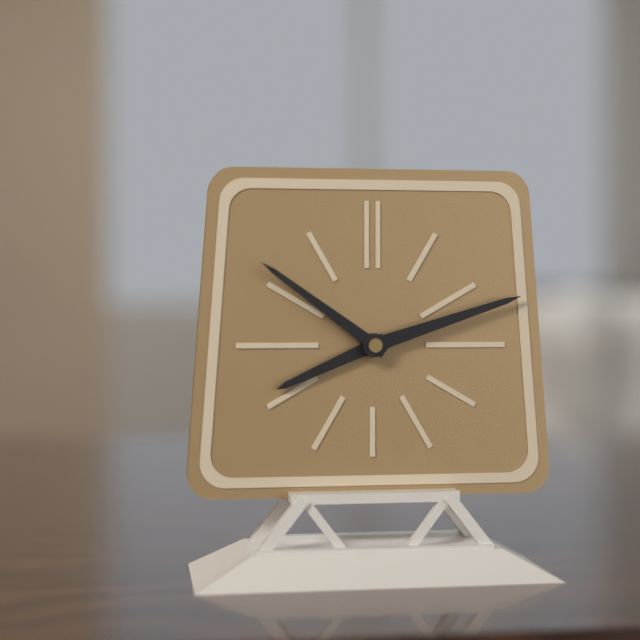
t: 8:12:51
